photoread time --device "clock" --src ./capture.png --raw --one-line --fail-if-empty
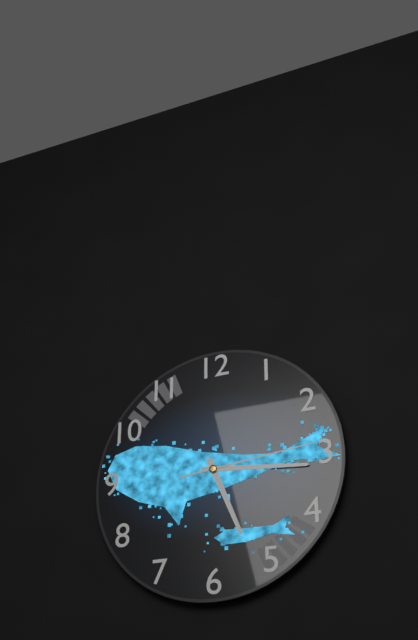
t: 5:16:14
